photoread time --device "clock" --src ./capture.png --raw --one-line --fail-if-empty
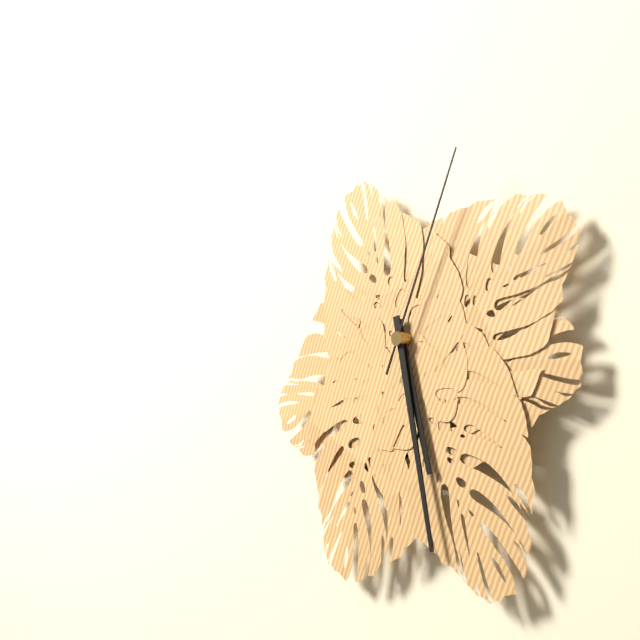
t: 5:28:04
